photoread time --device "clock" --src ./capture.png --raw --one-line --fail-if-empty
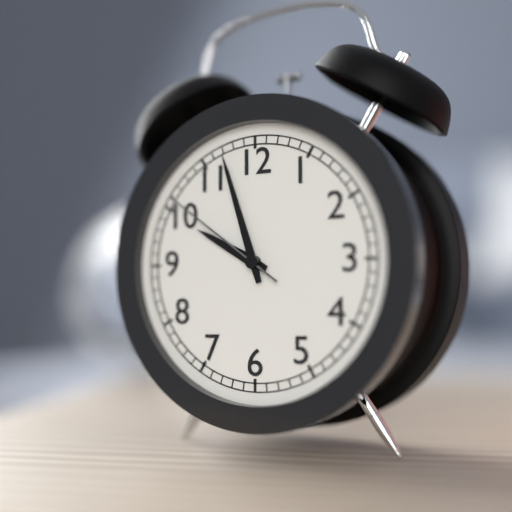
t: 9:57:51
